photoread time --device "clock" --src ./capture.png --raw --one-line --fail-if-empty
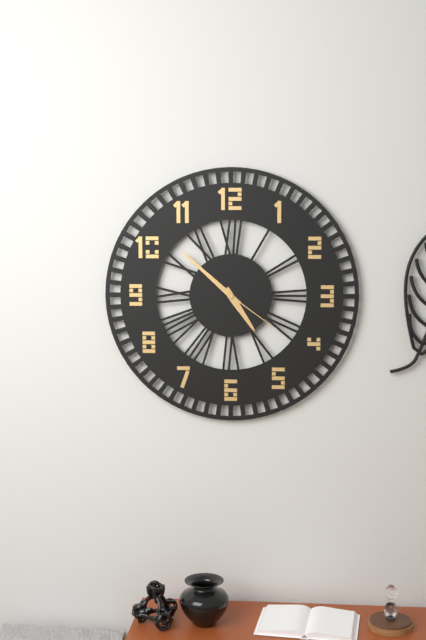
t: 4:52:21
